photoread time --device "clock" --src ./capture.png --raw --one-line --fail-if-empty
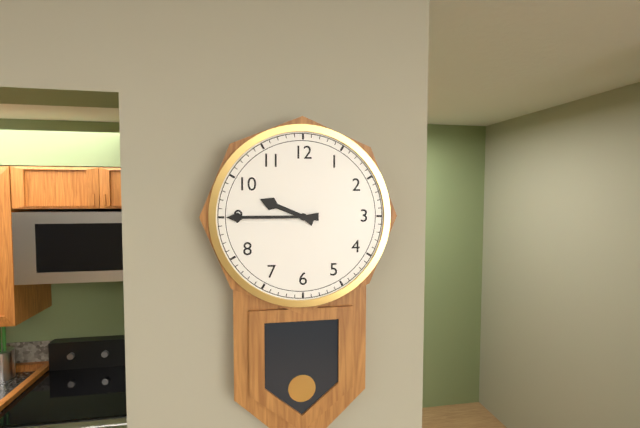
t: 9:45
